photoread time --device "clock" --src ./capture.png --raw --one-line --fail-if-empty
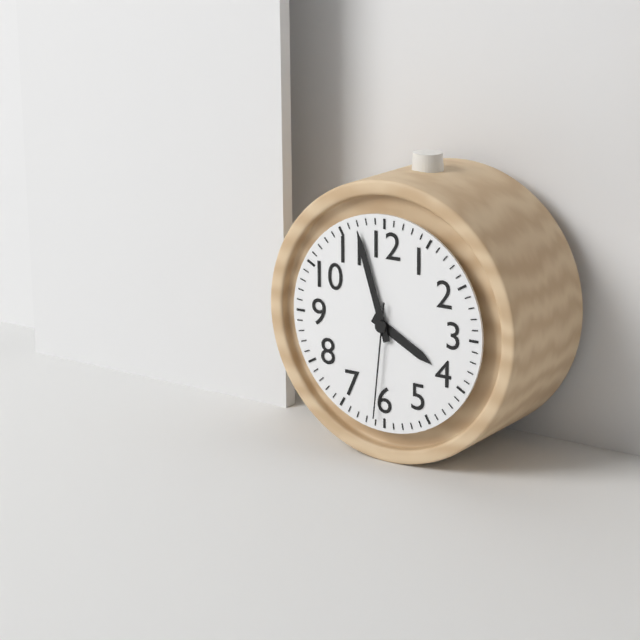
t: 3:57:31
